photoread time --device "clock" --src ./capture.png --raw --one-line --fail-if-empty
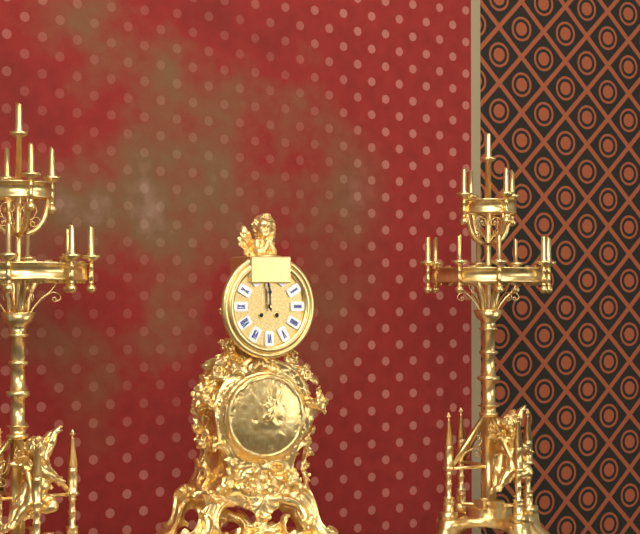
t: 11:59
